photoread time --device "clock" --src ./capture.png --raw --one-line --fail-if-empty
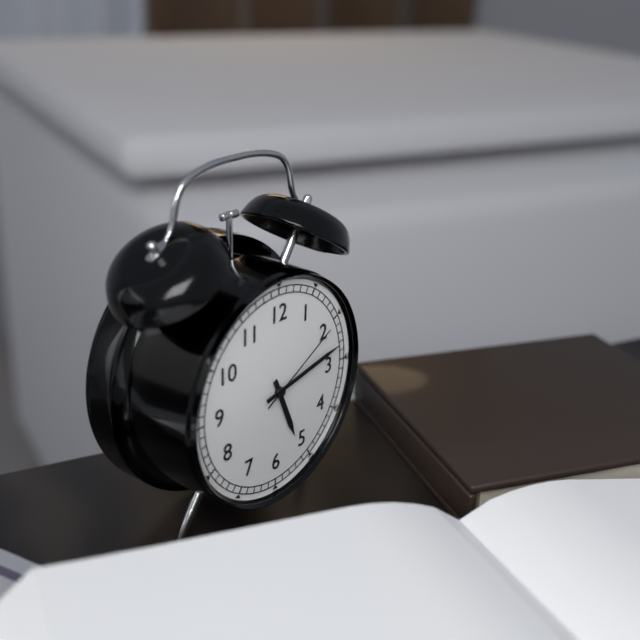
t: 5:13:10
